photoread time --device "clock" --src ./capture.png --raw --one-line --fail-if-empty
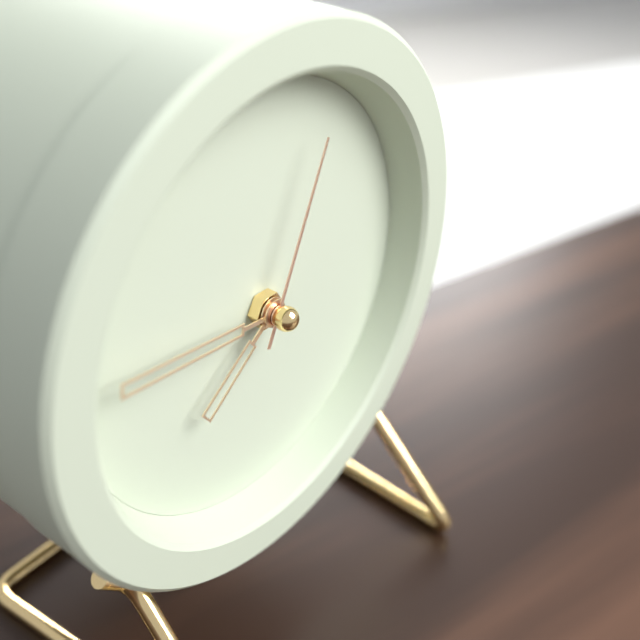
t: 7:46:04
